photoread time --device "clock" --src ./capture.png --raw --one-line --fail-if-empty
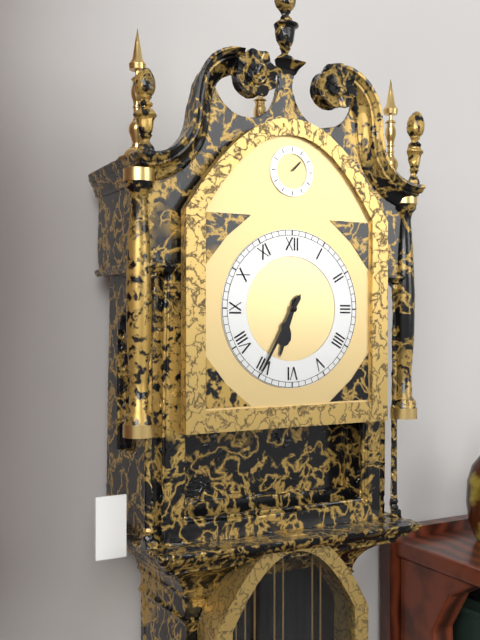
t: 6:35
